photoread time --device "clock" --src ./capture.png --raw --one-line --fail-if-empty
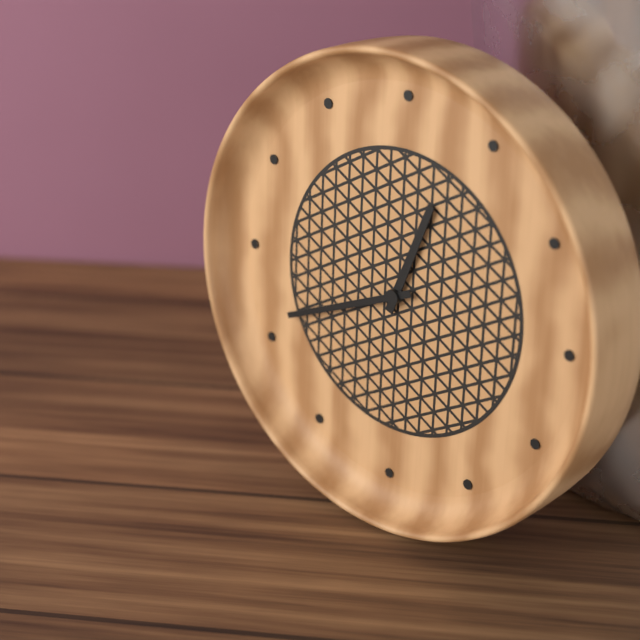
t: 12:41
